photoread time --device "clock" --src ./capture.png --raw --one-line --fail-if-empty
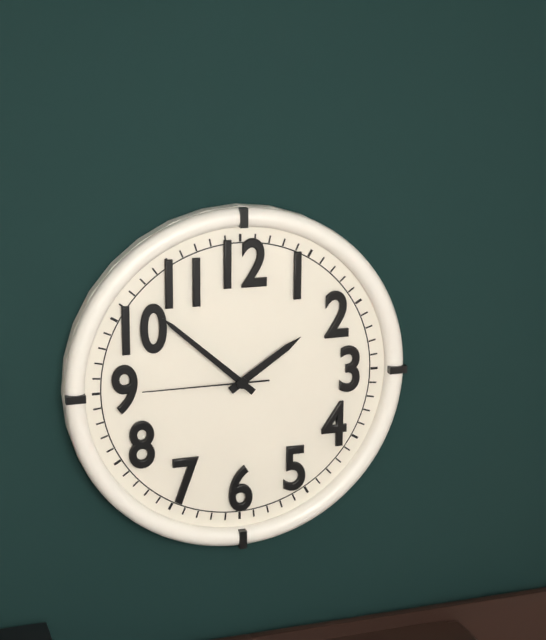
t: 1:52:45
